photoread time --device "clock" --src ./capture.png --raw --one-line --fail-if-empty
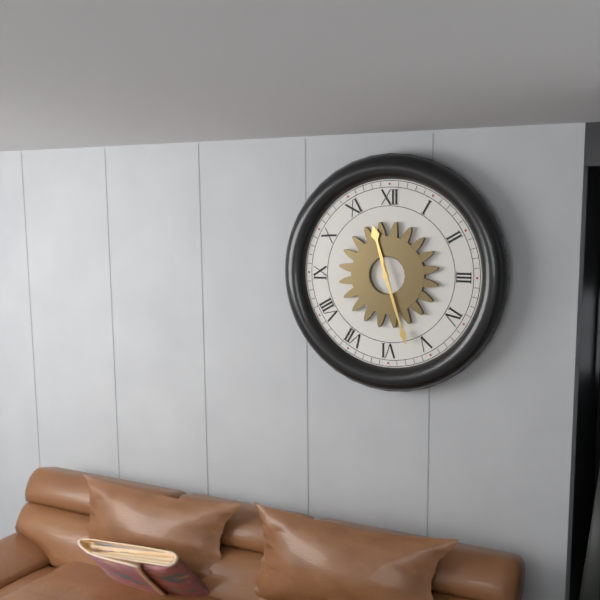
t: 11:27
